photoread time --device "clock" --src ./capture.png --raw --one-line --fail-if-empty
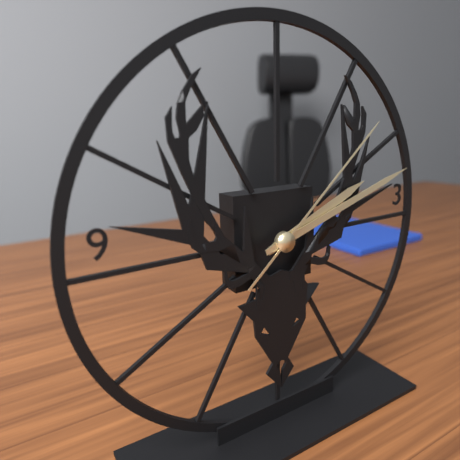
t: 2:12:08
